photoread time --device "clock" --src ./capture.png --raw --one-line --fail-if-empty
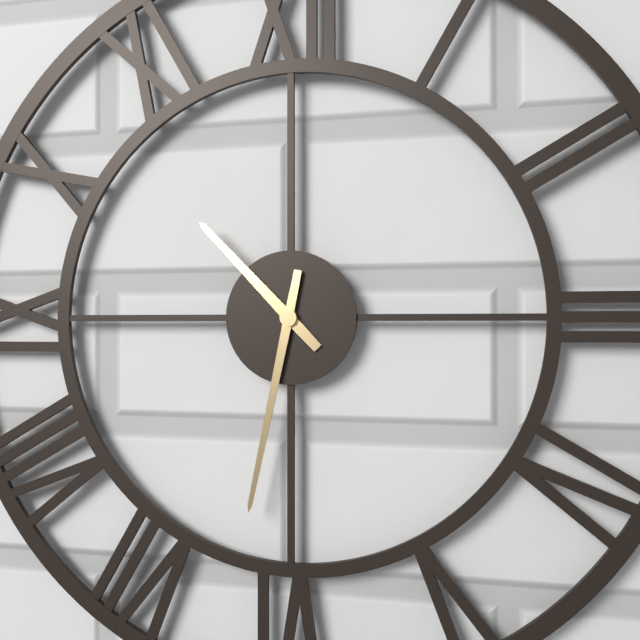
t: 10:32
